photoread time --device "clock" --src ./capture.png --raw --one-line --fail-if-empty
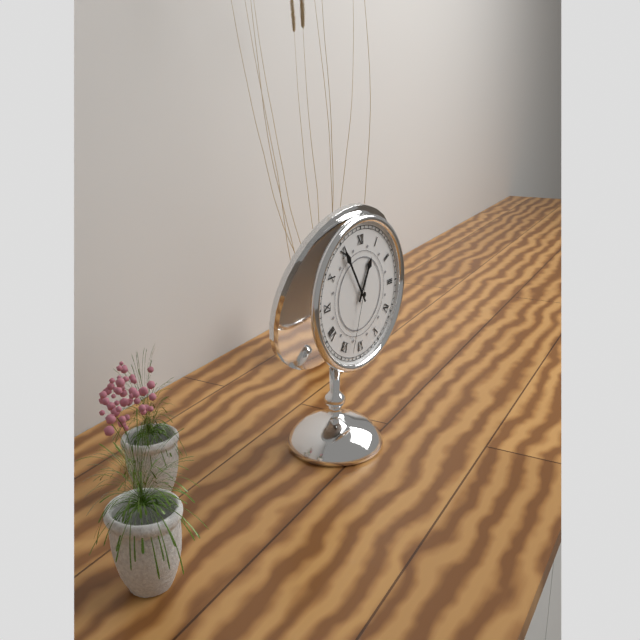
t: 12:55:33
